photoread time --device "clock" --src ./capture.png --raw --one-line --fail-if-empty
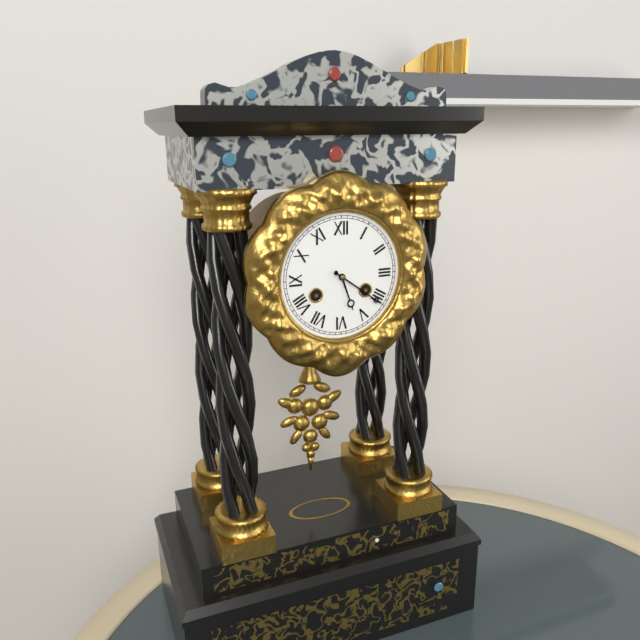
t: 5:21
